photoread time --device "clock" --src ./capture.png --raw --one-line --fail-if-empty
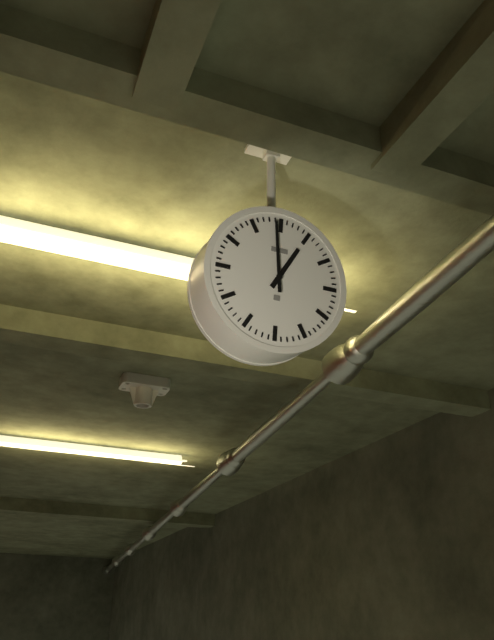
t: 12:59
